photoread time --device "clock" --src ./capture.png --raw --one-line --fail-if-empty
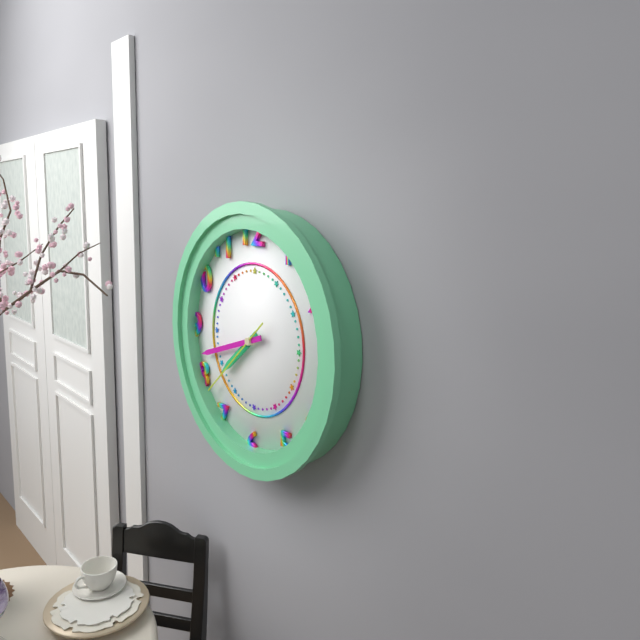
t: 7:42:38
